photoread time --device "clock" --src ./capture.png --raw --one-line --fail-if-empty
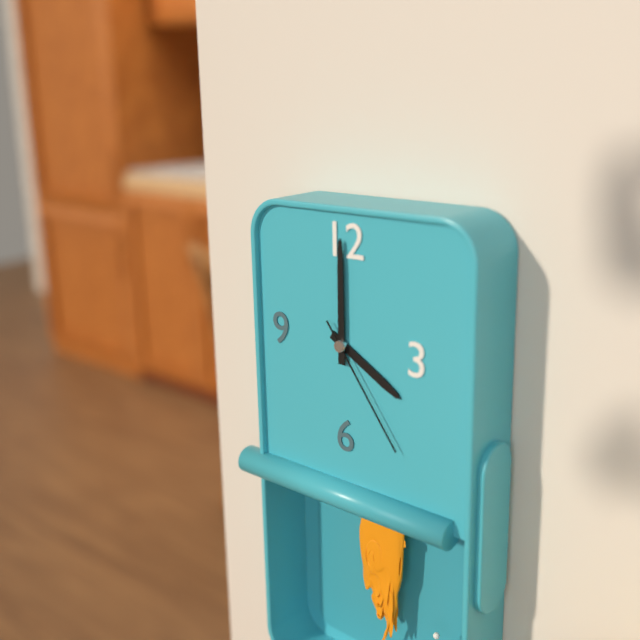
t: 4:00:24
